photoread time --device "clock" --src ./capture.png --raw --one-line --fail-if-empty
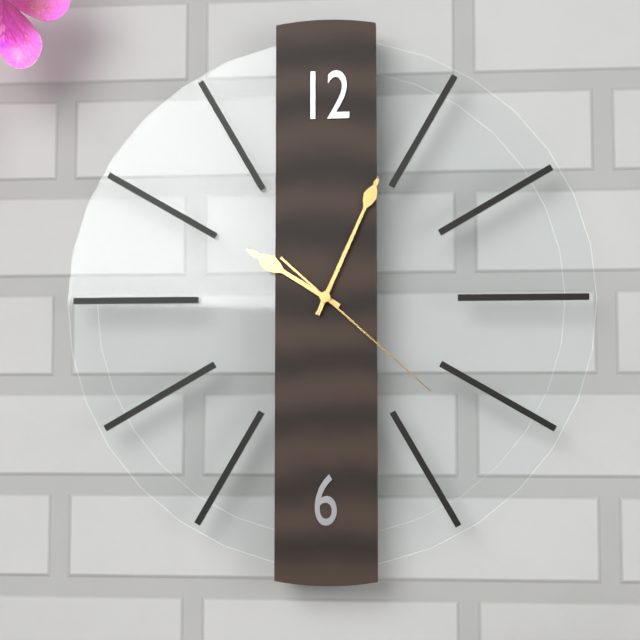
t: 10:04:22
